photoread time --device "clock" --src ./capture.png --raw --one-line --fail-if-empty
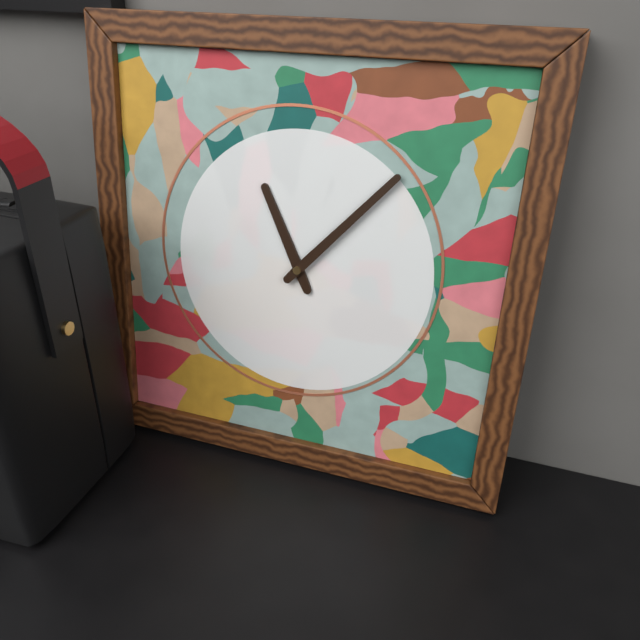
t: 11:07
